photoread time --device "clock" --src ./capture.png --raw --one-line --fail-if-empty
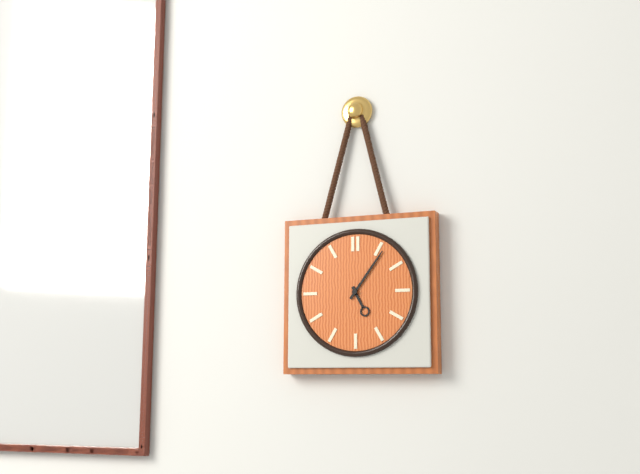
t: 5:06
